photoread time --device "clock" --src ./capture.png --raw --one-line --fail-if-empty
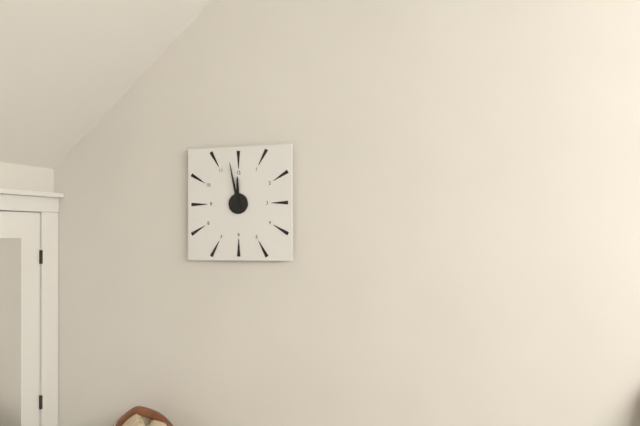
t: 11:58
